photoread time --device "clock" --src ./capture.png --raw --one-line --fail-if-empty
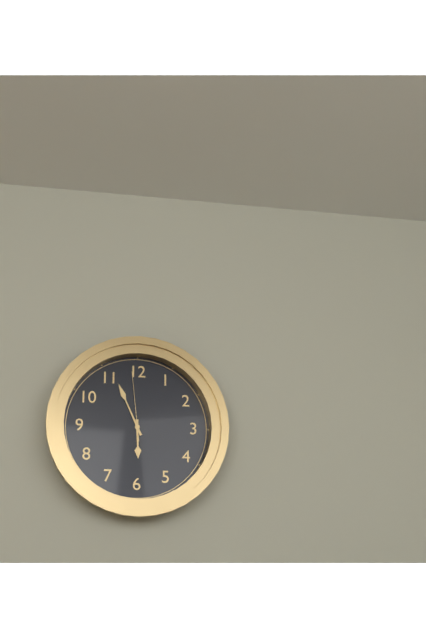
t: 5:56:59
